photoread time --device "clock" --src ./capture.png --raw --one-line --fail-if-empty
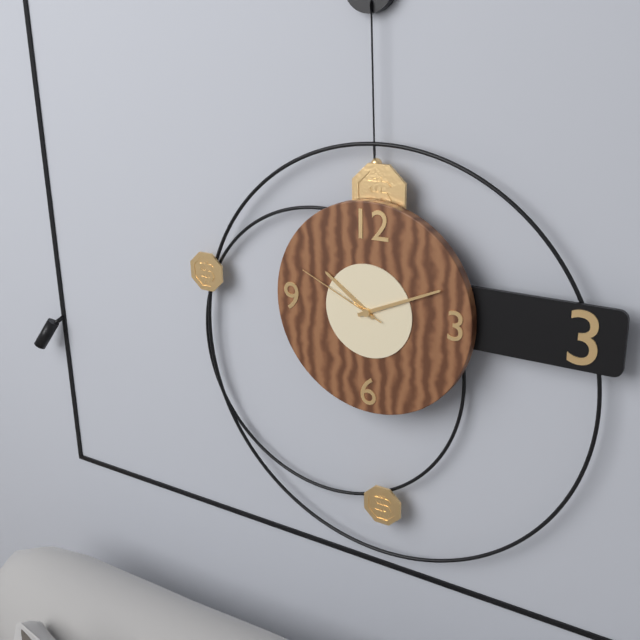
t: 10:11:49
